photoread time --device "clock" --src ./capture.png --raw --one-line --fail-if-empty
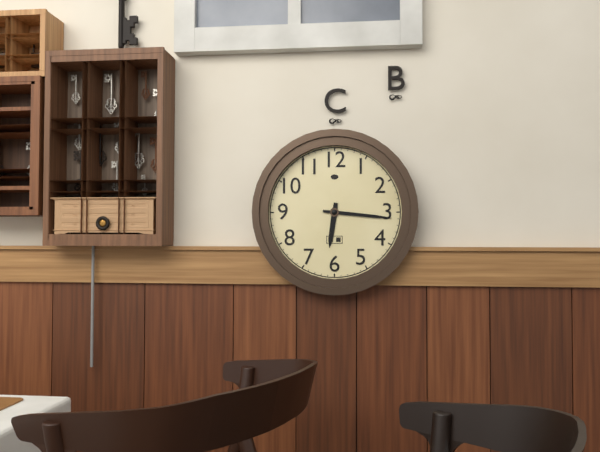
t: 6:16
